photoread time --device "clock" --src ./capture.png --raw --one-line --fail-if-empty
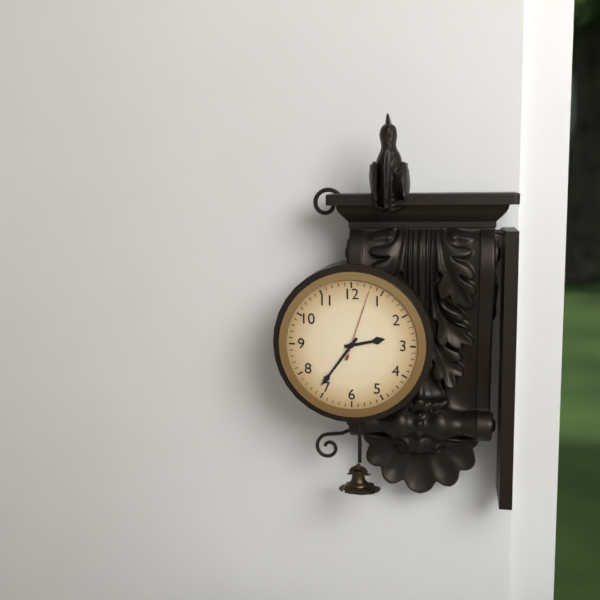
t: 2:36:03
